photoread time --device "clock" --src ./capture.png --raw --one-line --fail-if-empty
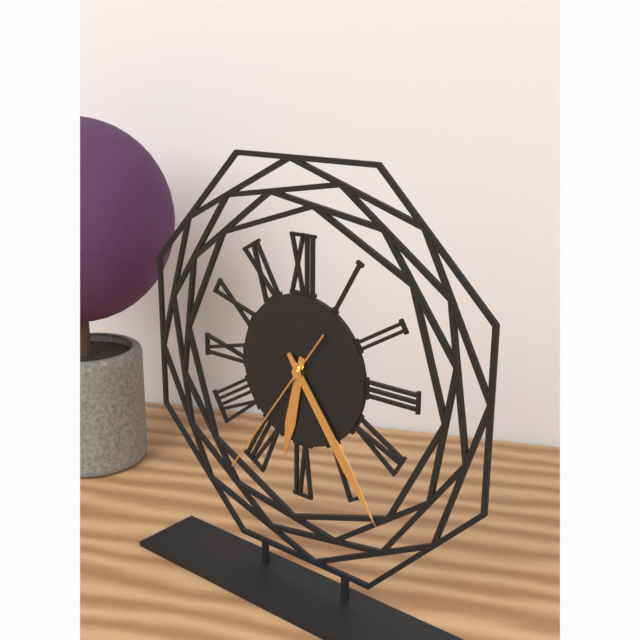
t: 6:24:36
